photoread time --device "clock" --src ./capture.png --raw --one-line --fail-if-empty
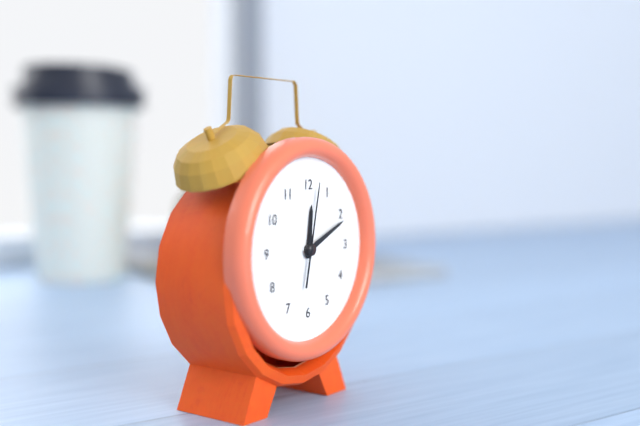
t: 12:11:02
